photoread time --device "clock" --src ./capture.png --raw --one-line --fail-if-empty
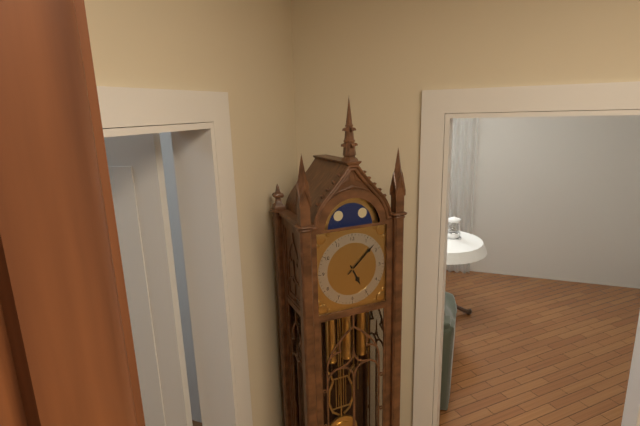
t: 5:08
